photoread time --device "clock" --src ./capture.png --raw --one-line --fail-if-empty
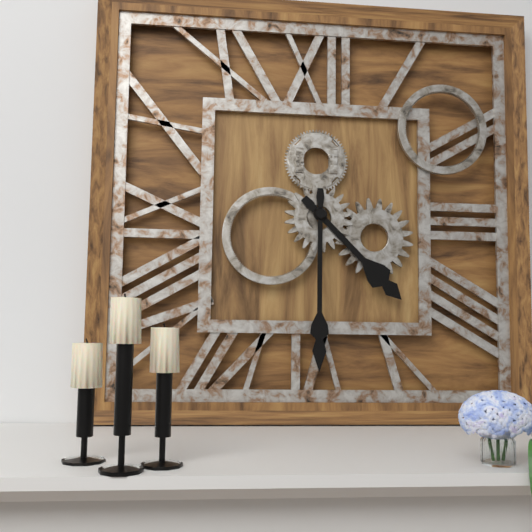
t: 4:30
